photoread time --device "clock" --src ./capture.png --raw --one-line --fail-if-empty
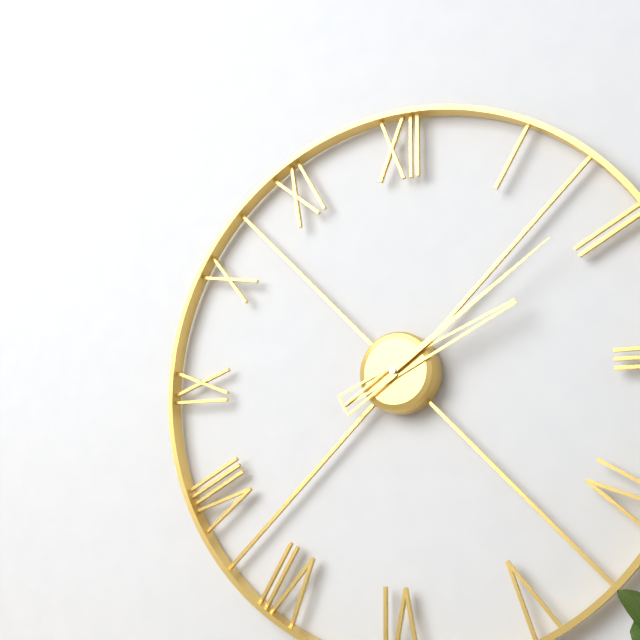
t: 2:09
